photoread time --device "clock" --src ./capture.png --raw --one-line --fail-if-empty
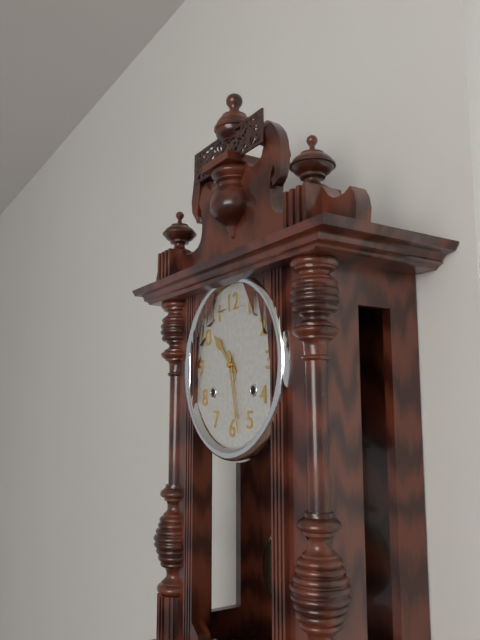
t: 10:28
